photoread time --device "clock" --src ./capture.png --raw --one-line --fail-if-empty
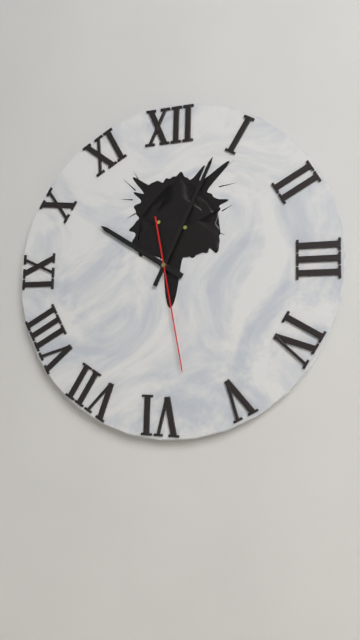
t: 10:04:28
